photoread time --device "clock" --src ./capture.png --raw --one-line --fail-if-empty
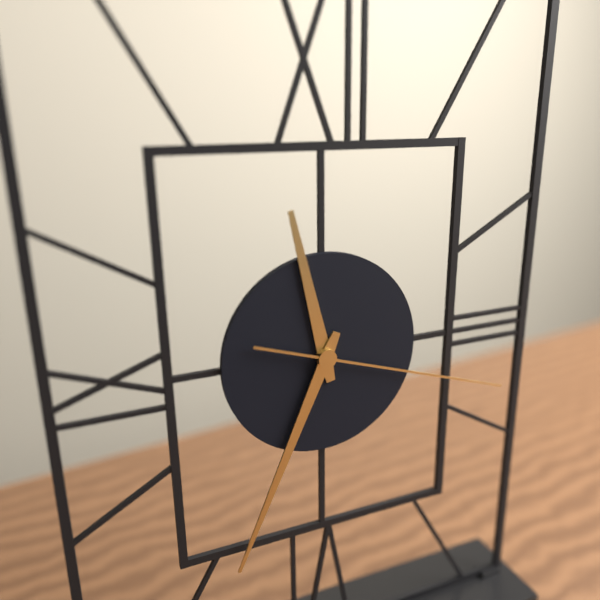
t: 11:34:18
